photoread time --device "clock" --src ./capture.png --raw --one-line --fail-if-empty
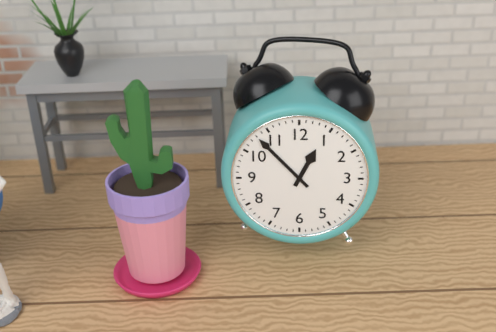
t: 12:53
